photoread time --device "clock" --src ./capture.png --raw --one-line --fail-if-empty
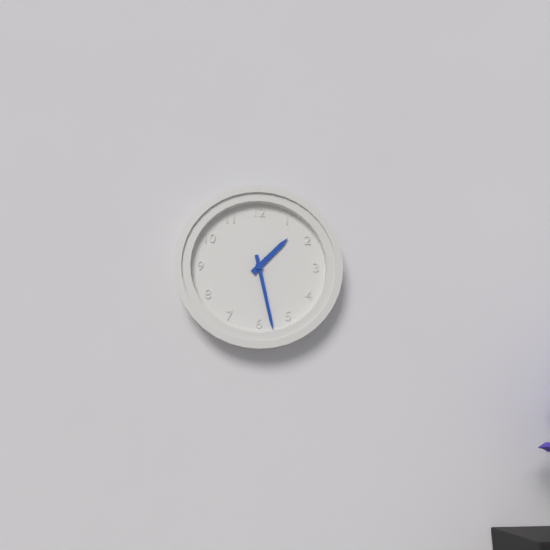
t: 1:28
